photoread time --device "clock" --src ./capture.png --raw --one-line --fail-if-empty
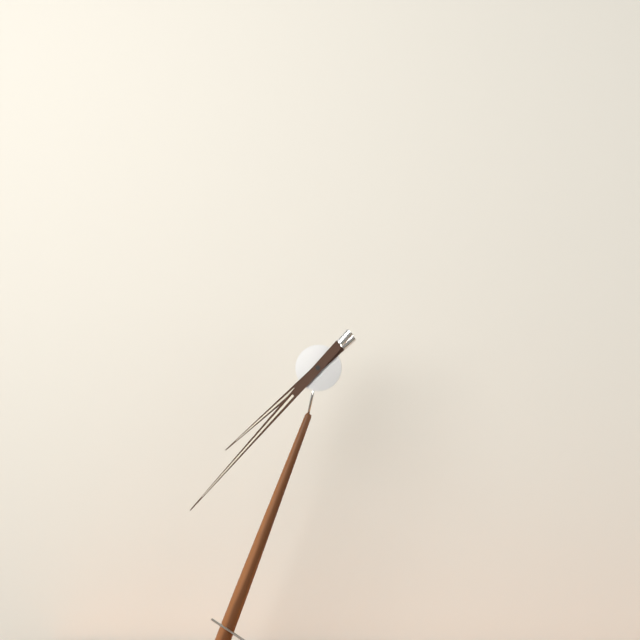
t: 7:37
